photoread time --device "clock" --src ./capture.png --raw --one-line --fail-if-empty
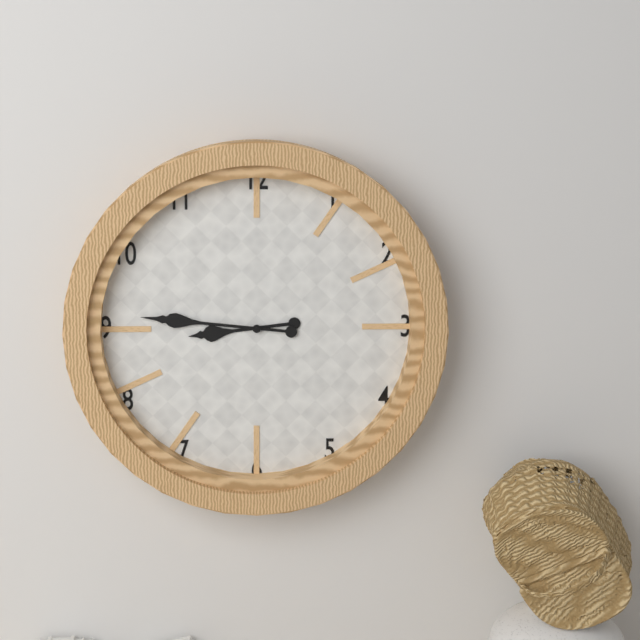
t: 8:46
